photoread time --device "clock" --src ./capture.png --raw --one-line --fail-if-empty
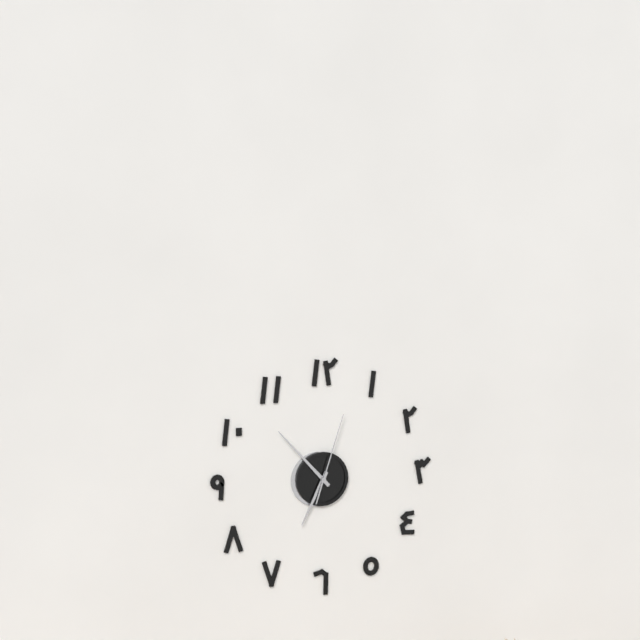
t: 6:53:03
